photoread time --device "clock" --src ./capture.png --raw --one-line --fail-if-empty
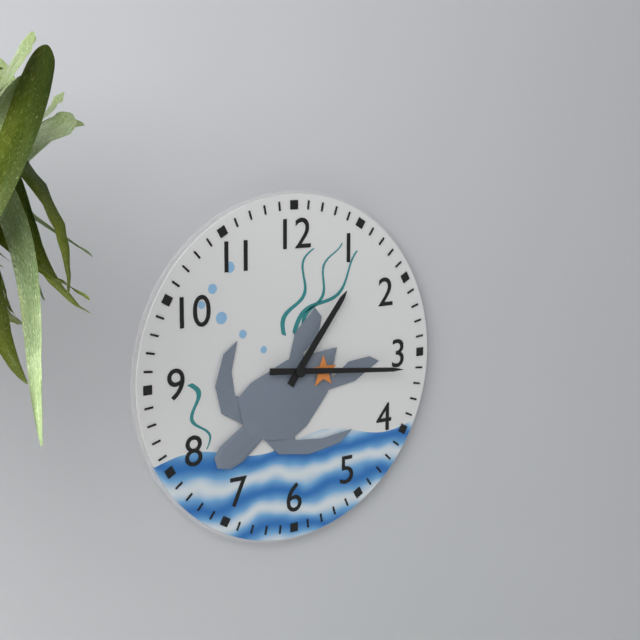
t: 1:16
